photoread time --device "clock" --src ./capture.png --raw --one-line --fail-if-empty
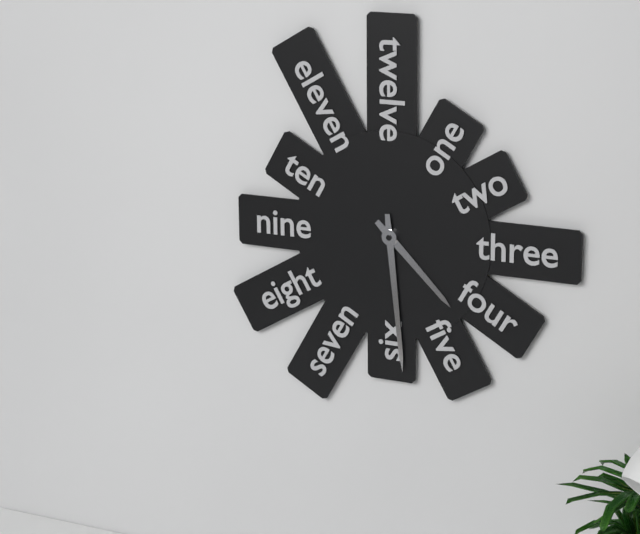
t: 4:29
